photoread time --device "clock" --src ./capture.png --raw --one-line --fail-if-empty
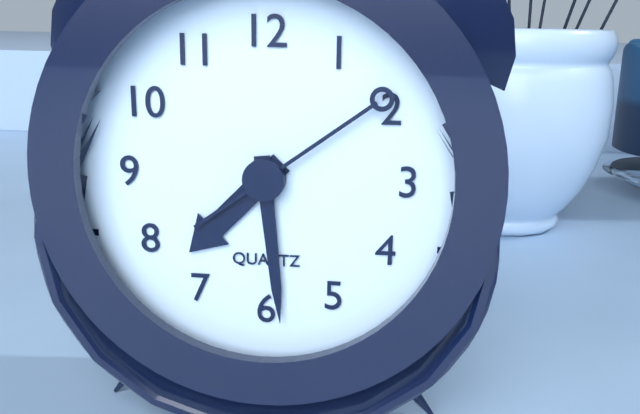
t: 7:29:09
